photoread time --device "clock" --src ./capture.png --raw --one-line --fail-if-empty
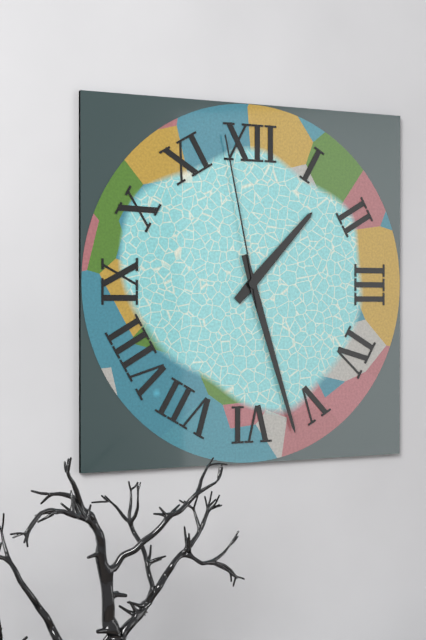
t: 1:27:58
